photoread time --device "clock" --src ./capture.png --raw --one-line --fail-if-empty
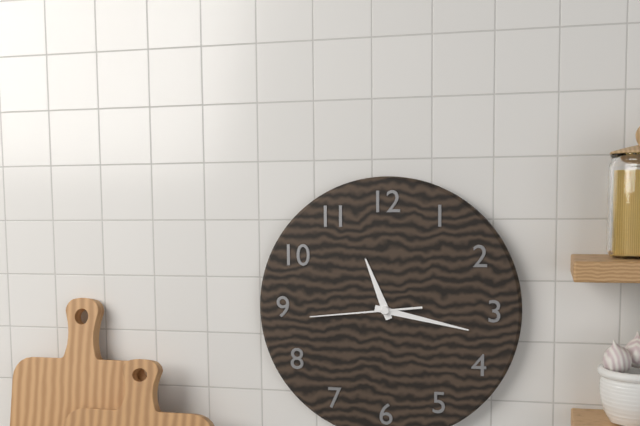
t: 11:17:44
